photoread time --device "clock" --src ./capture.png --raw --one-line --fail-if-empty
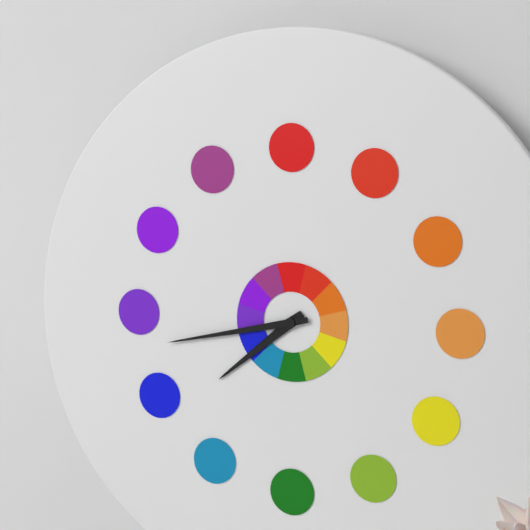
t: 7:43
